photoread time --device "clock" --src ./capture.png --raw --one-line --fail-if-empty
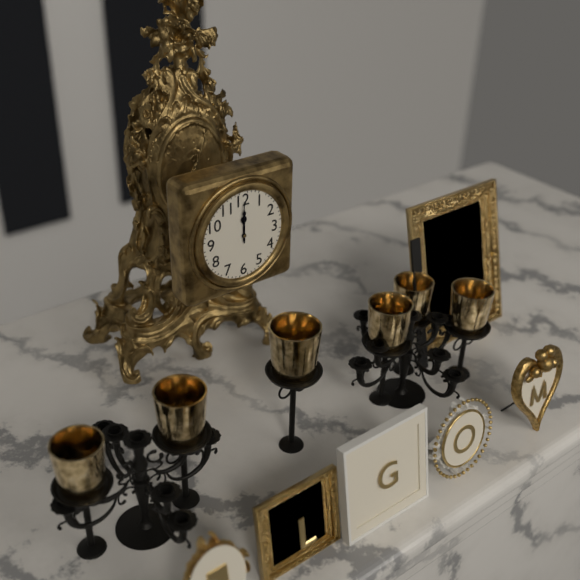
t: 12:00
